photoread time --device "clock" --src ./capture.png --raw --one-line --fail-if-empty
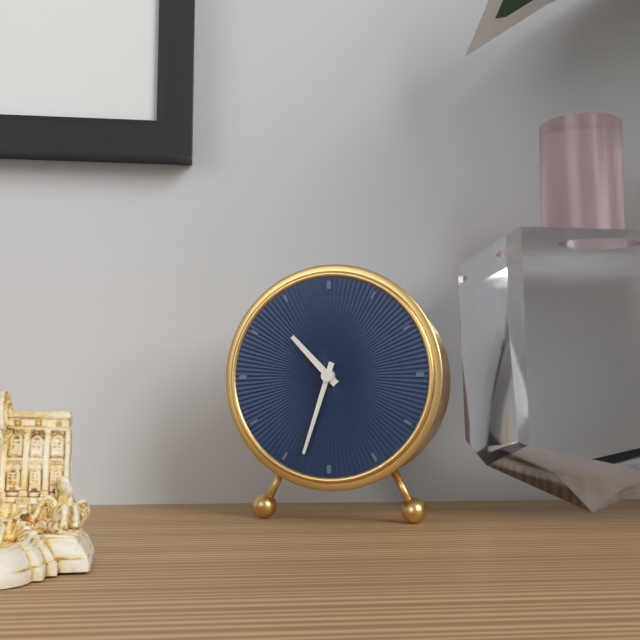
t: 10:33
